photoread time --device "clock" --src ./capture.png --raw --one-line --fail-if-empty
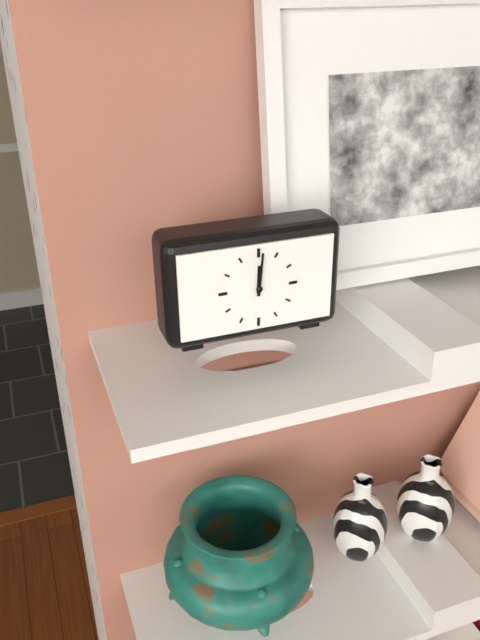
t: 12:01
